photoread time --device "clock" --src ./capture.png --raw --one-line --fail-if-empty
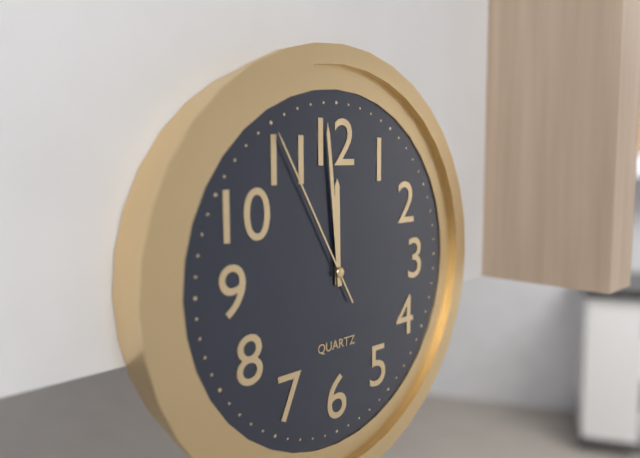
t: 11:59:55
